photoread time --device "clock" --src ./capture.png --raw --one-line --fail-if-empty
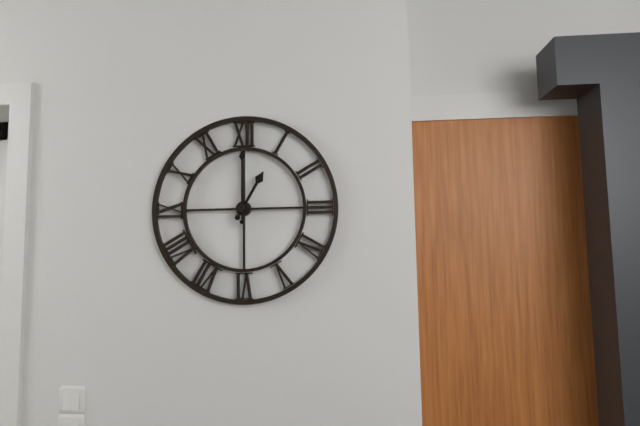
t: 1:00
